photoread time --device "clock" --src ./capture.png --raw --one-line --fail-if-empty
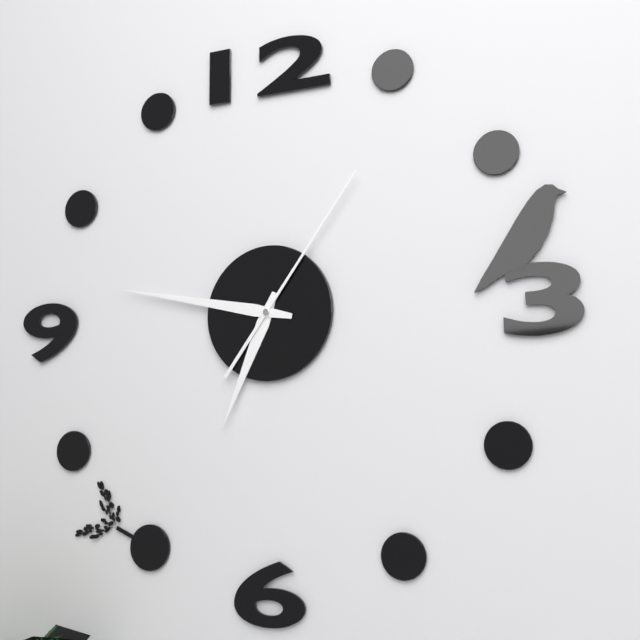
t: 6:47:06
